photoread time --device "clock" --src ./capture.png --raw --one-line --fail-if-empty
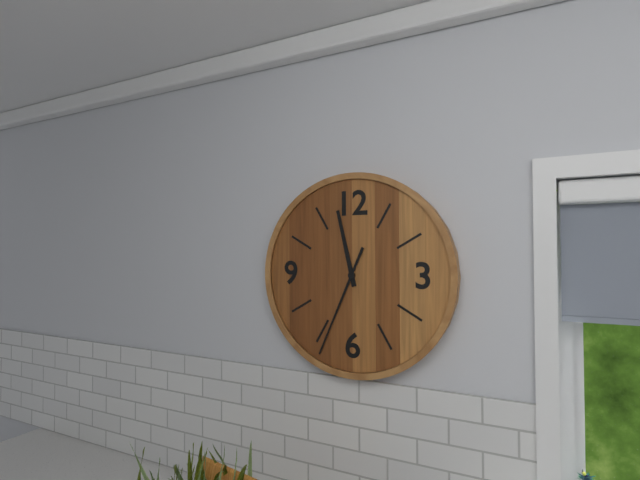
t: 11:34
